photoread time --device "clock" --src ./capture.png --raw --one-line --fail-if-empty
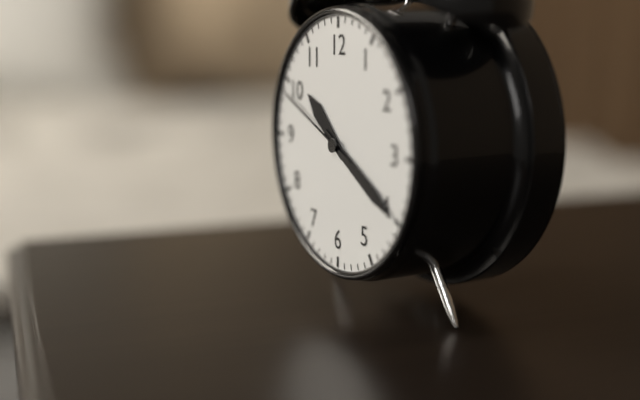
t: 10:20:49
